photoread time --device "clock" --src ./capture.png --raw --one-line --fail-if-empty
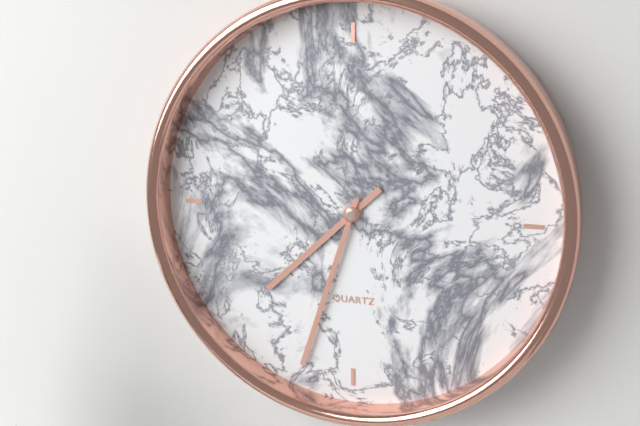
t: 7:33
